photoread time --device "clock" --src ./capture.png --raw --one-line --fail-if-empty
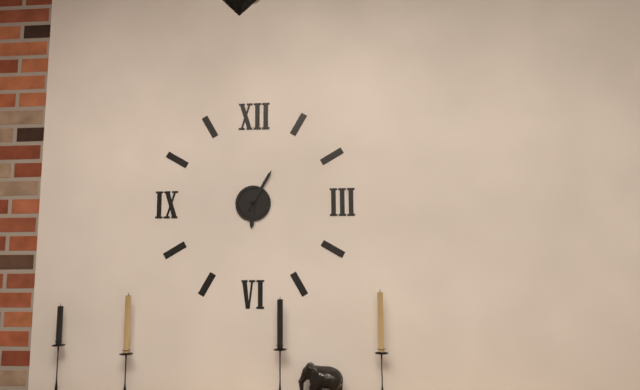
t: 6:05
